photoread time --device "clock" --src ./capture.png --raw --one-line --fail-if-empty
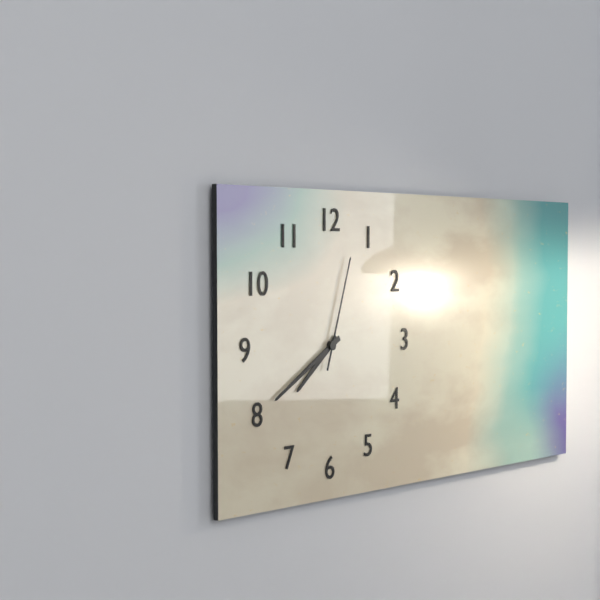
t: 7:40:03
